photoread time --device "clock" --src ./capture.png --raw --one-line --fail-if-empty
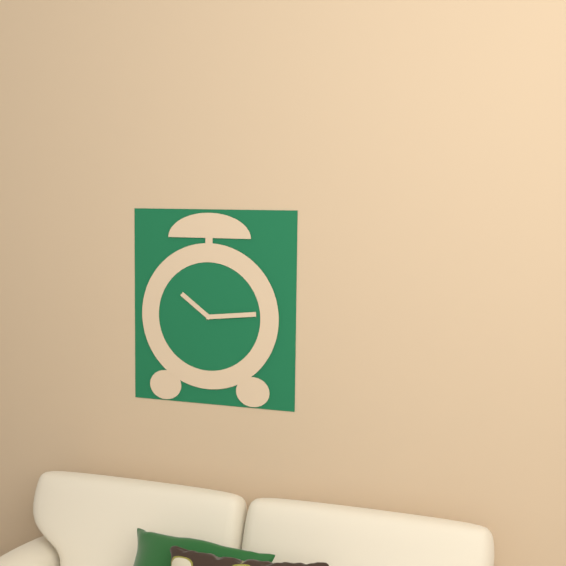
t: 10:14
